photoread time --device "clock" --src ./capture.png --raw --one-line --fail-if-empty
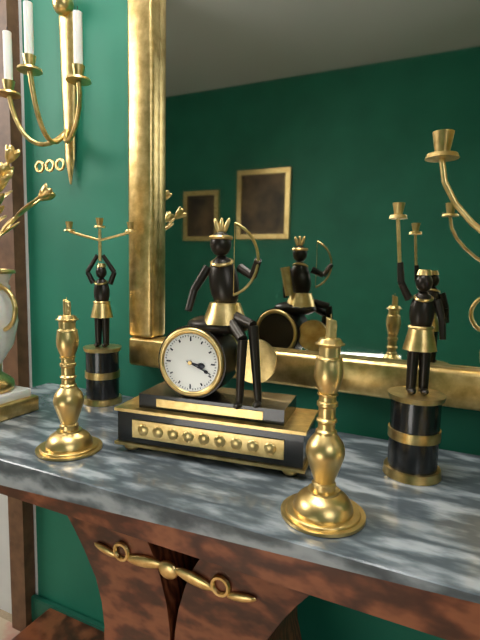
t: 3:19
